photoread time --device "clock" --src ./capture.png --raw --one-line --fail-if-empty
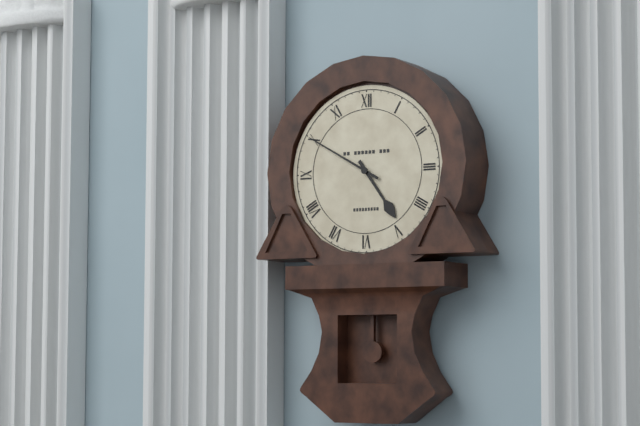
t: 4:50
